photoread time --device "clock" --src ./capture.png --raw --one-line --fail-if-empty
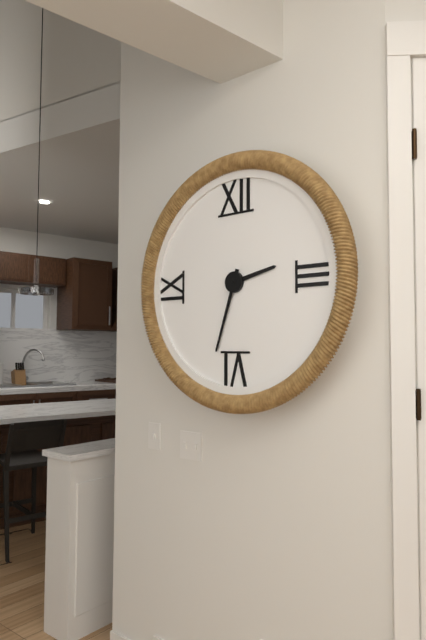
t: 2:33
